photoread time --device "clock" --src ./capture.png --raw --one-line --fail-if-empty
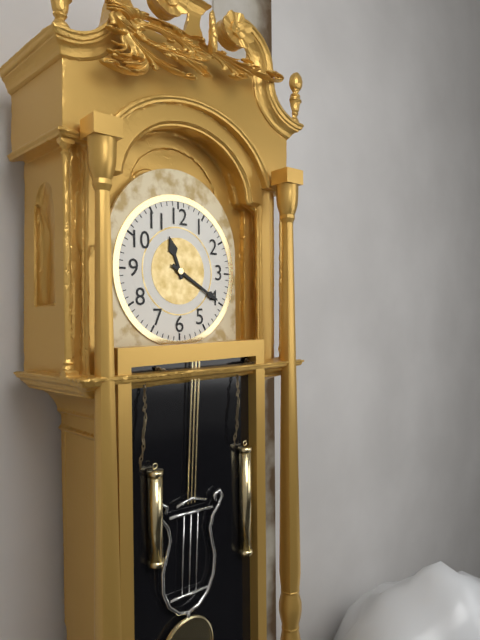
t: 11:20
